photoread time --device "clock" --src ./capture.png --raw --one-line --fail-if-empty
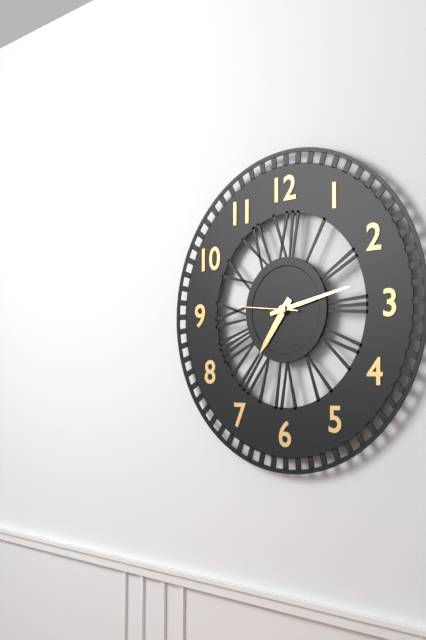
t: 7:13:46
